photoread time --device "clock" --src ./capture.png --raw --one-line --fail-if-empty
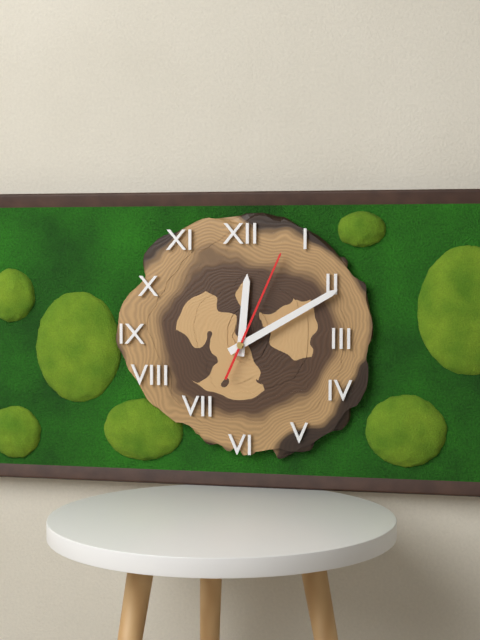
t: 12:10:04
